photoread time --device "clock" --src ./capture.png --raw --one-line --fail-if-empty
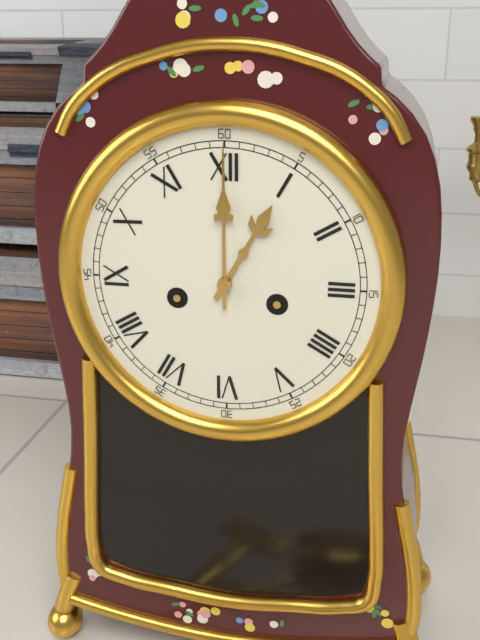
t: 1:00
